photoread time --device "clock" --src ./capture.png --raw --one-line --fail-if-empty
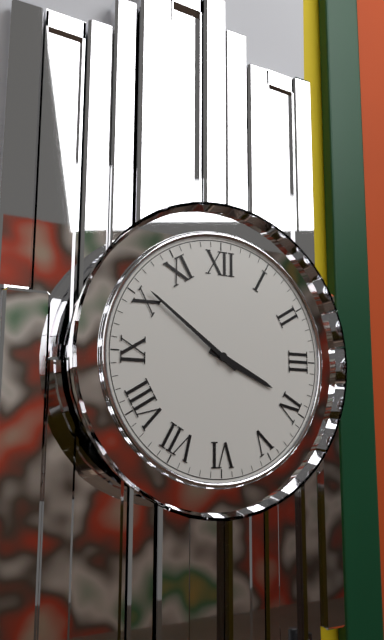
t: 3:51
